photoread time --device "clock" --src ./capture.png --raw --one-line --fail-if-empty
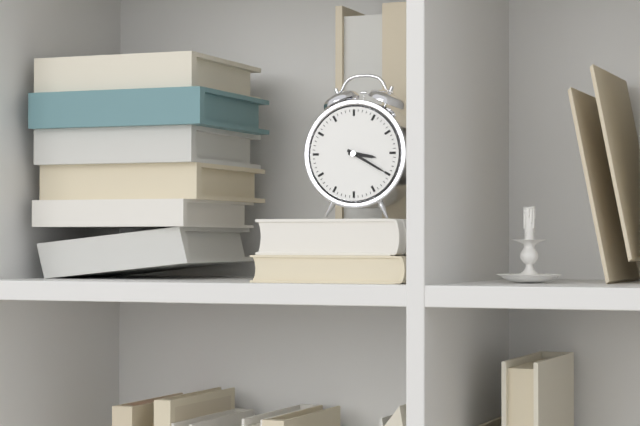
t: 3:20
